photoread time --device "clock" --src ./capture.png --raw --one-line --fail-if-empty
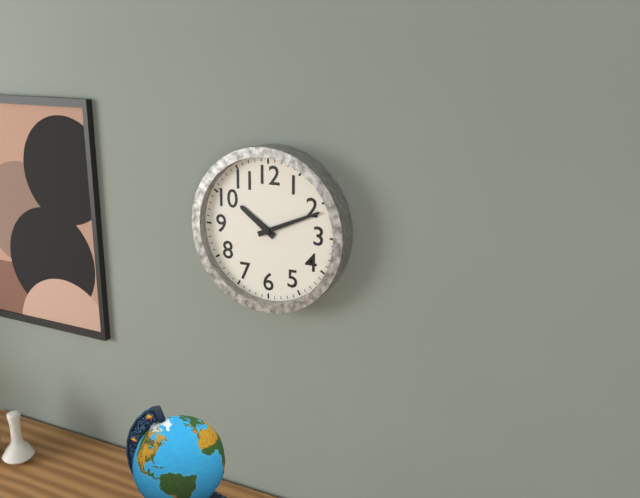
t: 10:11
